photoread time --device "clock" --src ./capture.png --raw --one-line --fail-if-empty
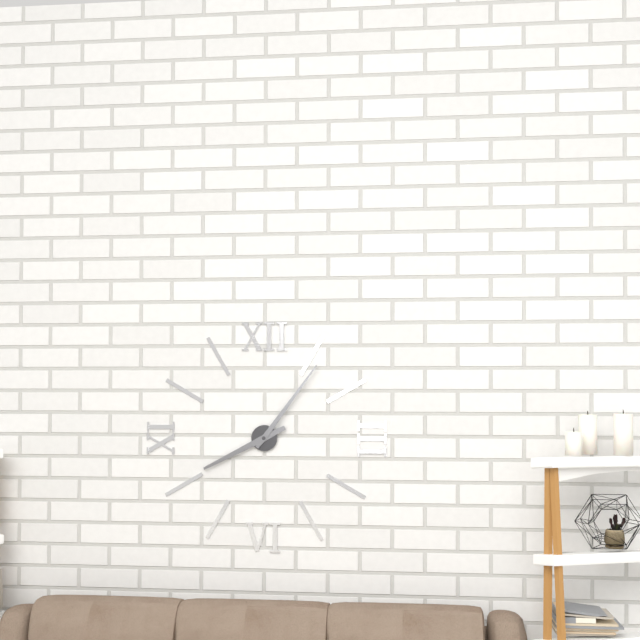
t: 8:06
